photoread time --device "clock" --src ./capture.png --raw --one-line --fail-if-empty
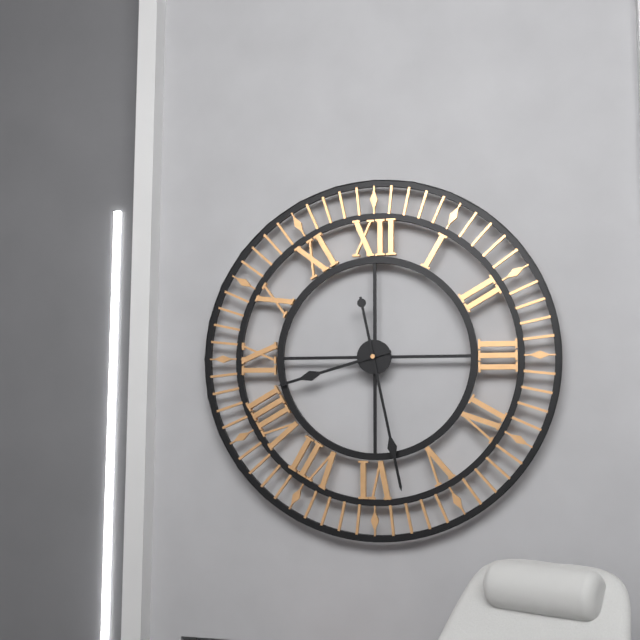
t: 8:28
